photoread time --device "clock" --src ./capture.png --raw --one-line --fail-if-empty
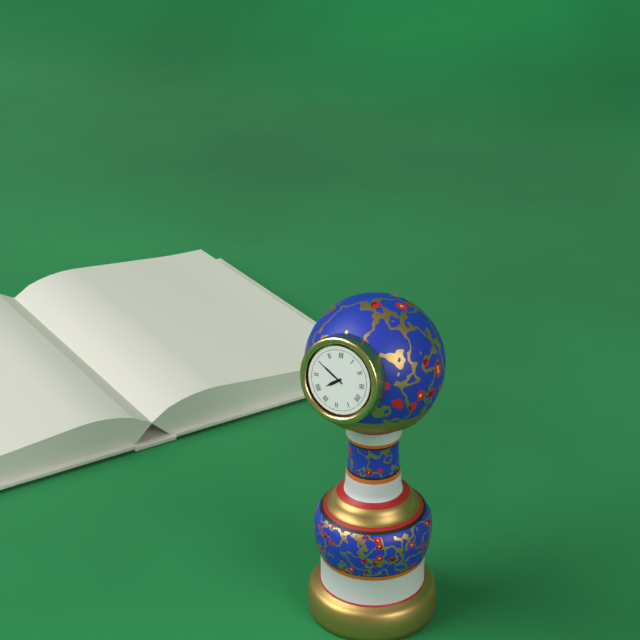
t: 7:50
